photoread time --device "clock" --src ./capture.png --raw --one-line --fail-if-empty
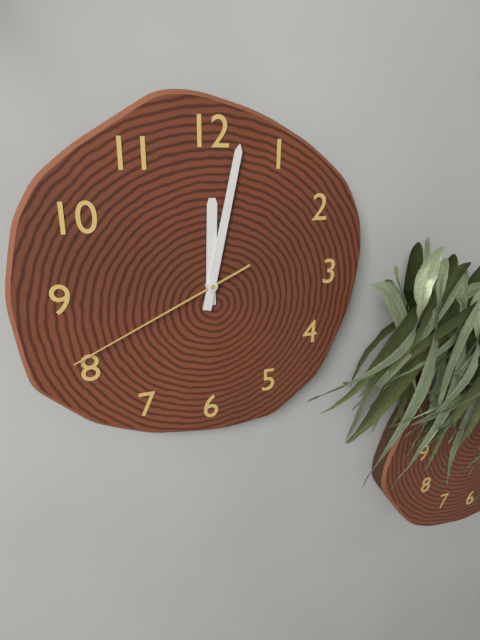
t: 12:02:41
